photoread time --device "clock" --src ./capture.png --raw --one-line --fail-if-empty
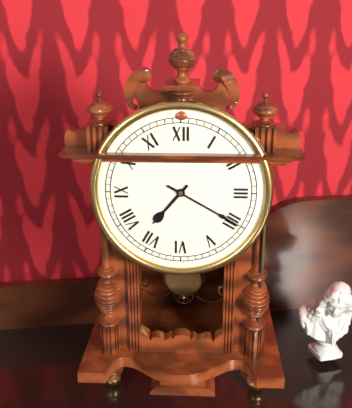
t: 7:20
